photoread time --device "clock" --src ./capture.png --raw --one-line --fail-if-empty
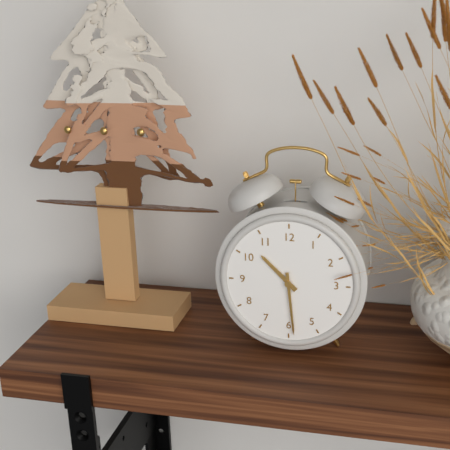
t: 10:29
